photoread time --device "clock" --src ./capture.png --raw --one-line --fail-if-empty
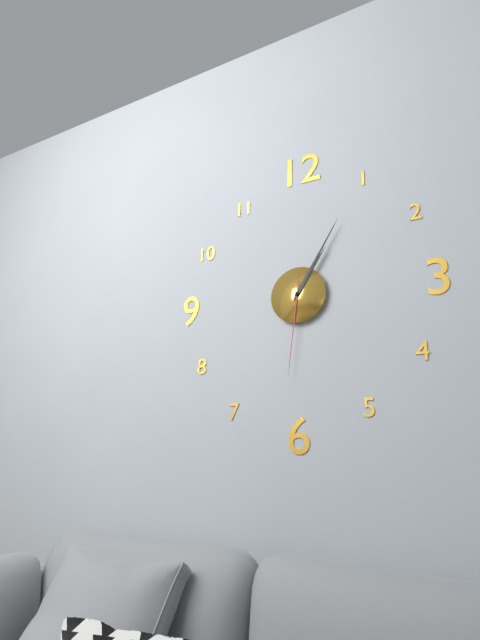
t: 1:05:31
